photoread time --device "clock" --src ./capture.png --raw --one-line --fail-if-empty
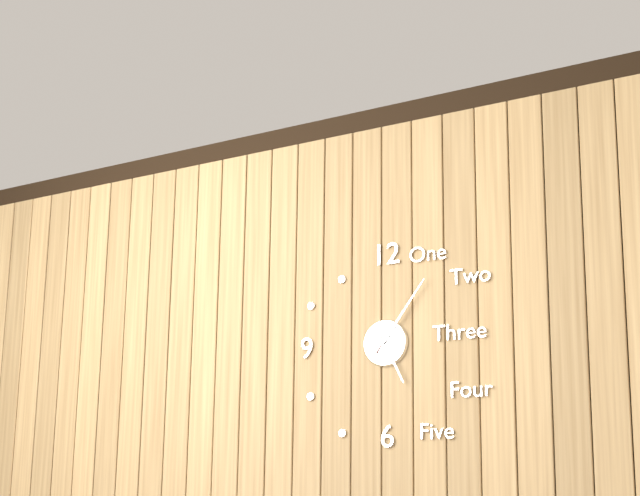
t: 5:06
